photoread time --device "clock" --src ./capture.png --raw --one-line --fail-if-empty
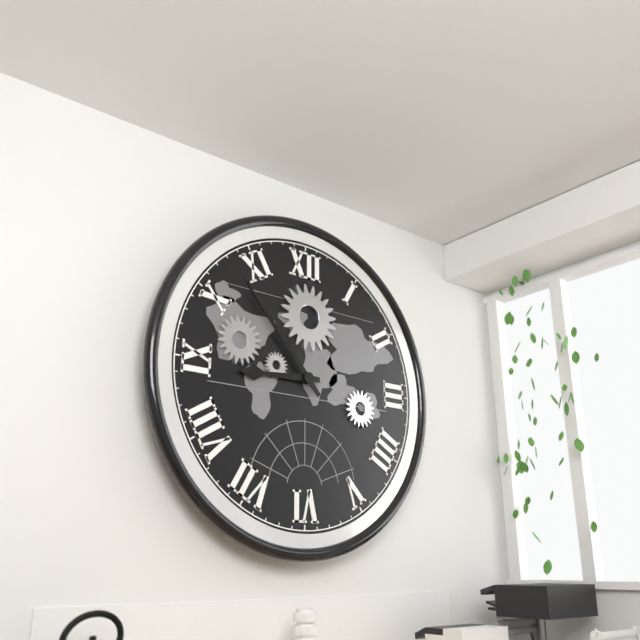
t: 8:53
